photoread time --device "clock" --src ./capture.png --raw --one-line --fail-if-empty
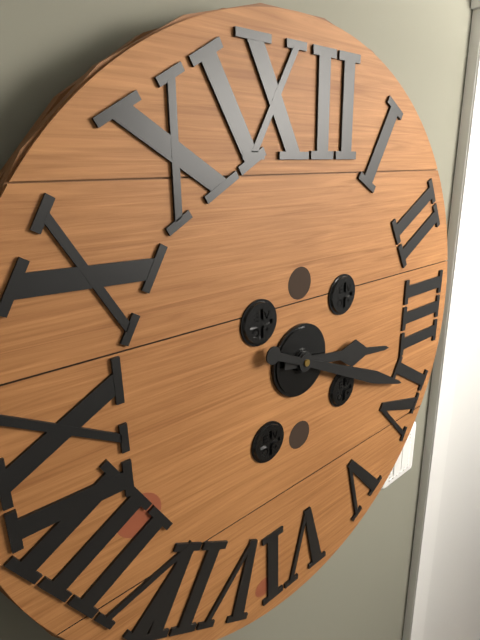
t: 3:19
